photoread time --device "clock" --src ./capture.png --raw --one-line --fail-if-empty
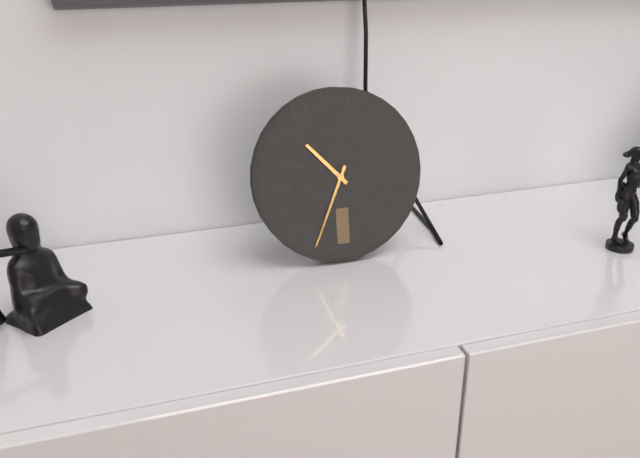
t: 10:34
